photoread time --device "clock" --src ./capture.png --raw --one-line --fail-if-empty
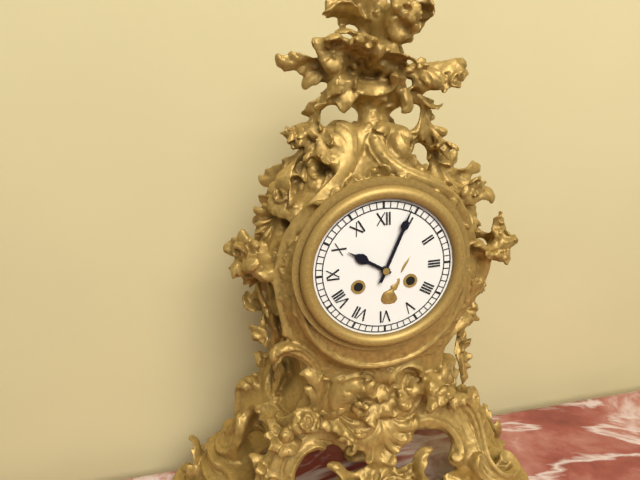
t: 10:04
